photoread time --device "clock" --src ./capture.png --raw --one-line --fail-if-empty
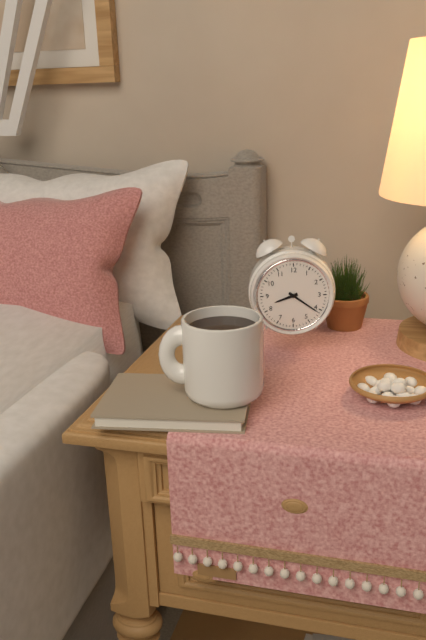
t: 8:21
